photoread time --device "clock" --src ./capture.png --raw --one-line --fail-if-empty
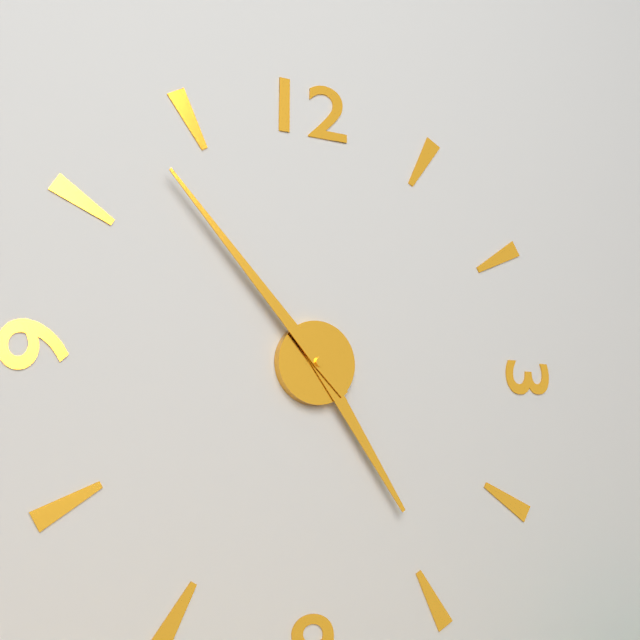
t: 4:53
